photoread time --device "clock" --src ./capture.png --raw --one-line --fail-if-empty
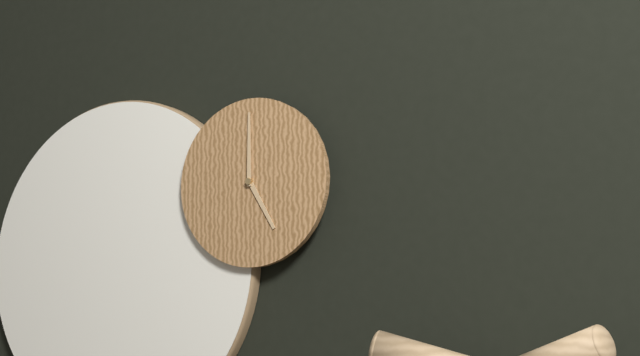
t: 5:00
